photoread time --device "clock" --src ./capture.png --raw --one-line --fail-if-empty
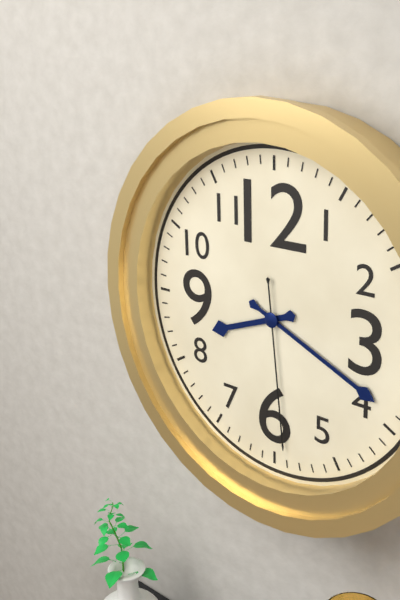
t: 8:19:29
